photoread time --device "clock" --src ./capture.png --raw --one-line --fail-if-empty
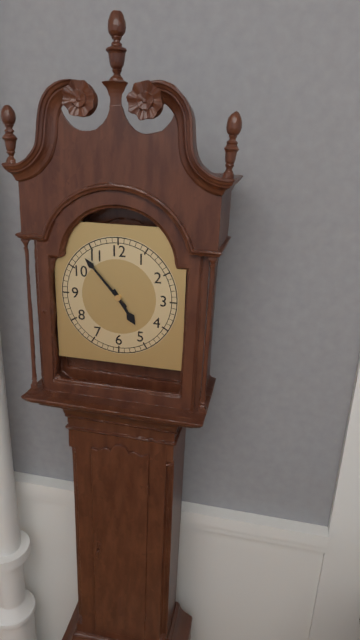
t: 4:53
